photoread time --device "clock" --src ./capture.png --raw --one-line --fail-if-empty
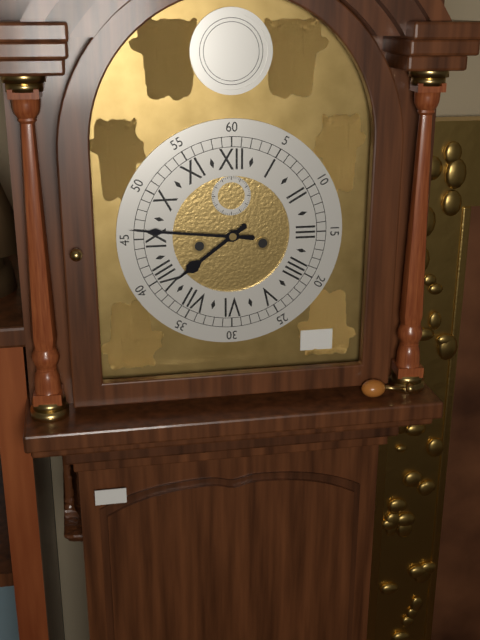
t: 7:46
